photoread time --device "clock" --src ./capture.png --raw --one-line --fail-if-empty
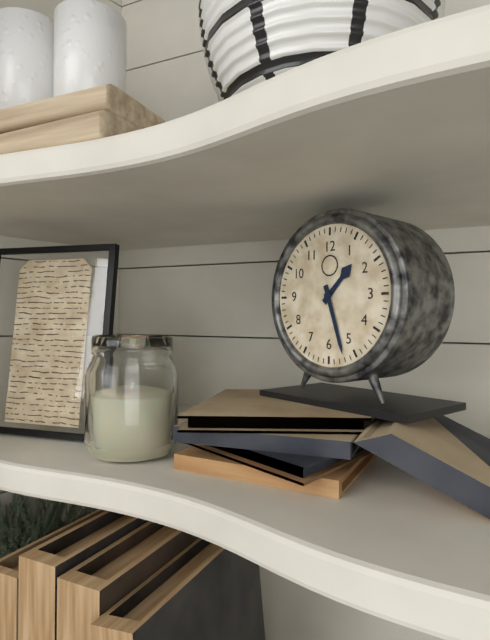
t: 1:27
